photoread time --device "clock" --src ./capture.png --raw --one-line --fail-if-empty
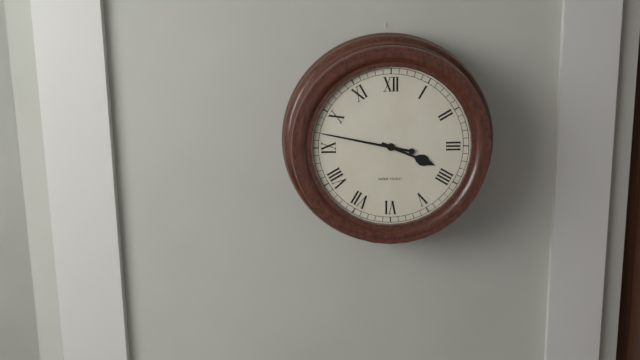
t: 3:47
